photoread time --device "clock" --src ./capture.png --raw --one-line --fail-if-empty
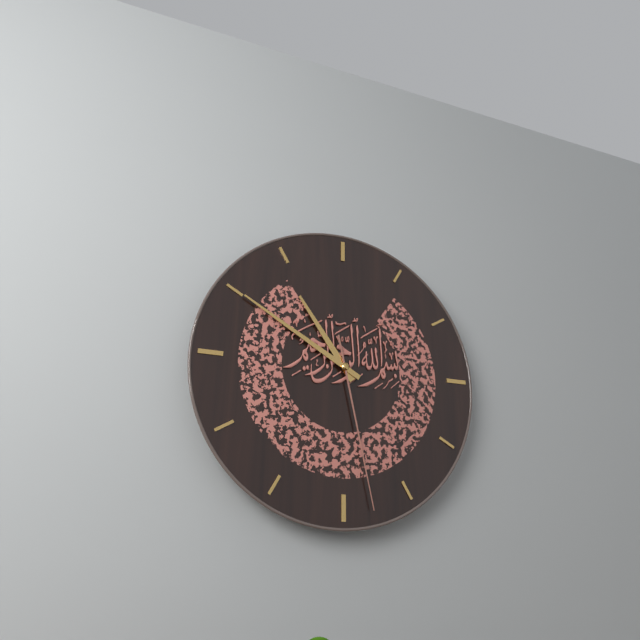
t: 10:50:28
